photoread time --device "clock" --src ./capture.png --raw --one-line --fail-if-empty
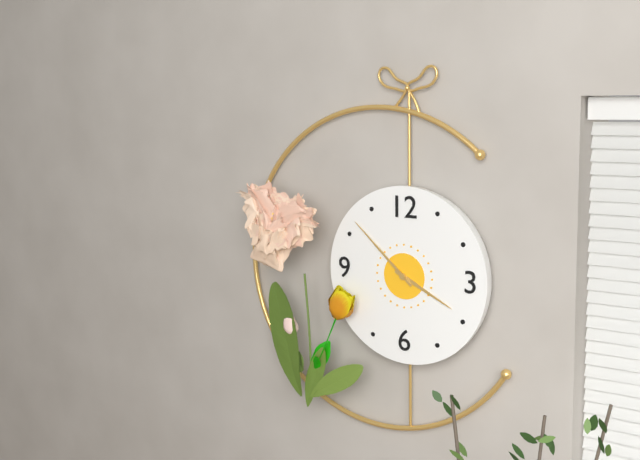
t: 3:52
